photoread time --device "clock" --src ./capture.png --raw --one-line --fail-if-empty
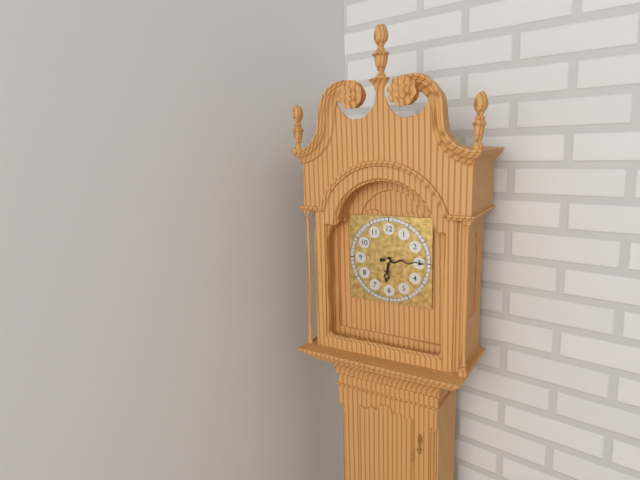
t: 6:15
